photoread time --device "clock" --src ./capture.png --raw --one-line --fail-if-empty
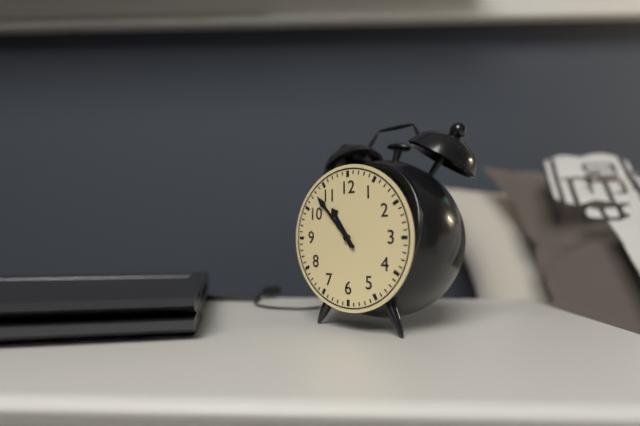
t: 10:53
